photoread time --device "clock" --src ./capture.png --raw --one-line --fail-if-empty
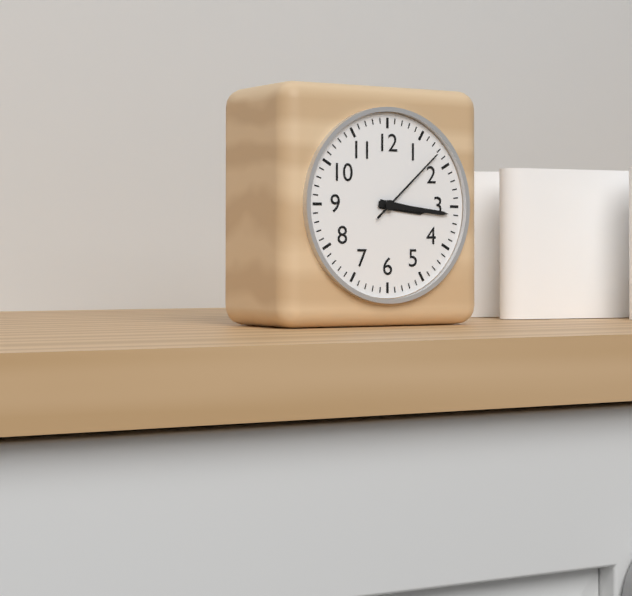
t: 3:16:08
